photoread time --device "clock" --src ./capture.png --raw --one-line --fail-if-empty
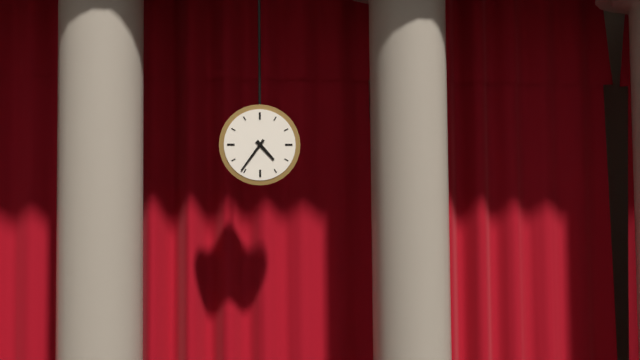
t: 4:36
